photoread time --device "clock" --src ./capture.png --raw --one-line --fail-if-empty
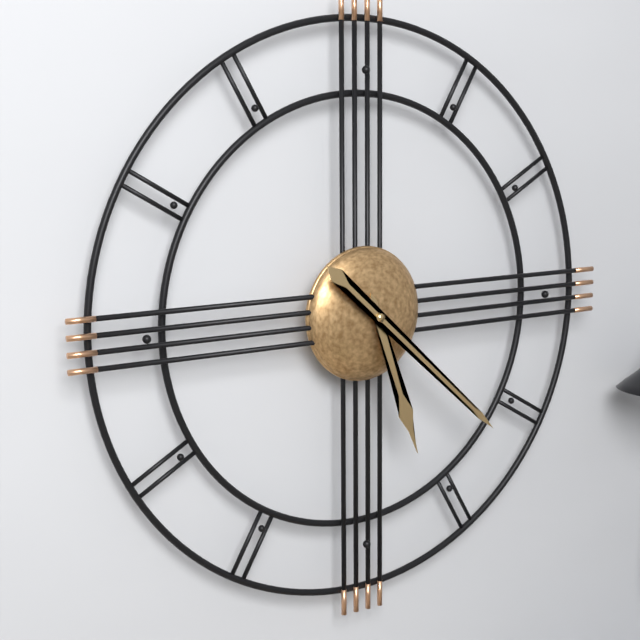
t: 5:22
